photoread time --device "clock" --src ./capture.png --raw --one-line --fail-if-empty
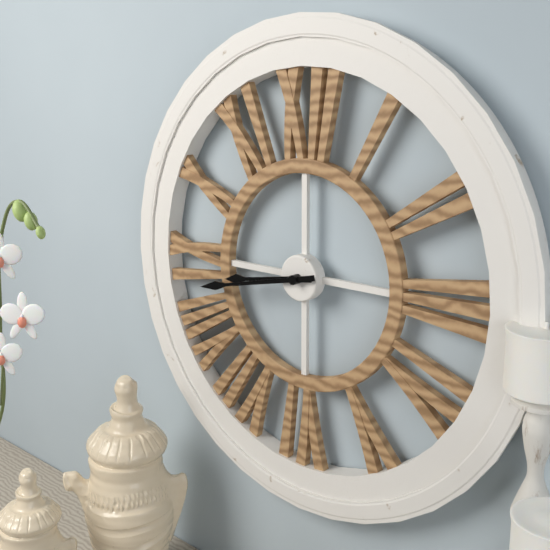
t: 8:43
